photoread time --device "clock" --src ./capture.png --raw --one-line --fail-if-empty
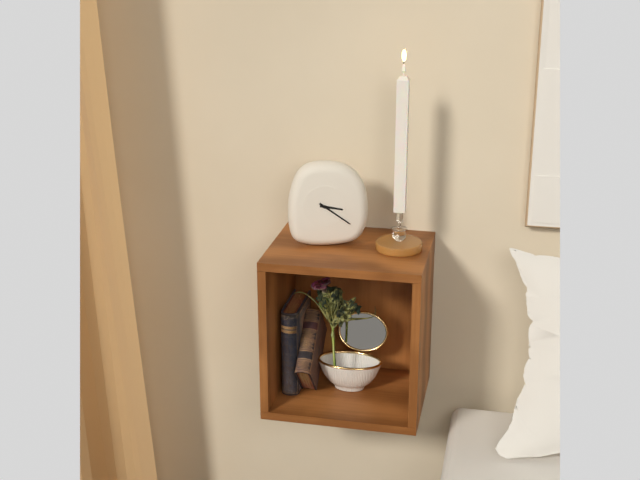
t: 3:21
